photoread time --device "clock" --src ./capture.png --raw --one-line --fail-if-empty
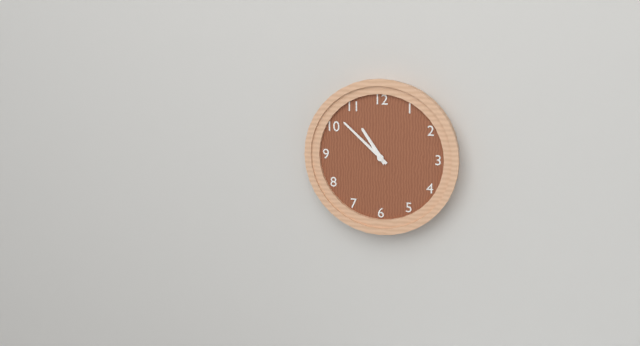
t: 10:52
